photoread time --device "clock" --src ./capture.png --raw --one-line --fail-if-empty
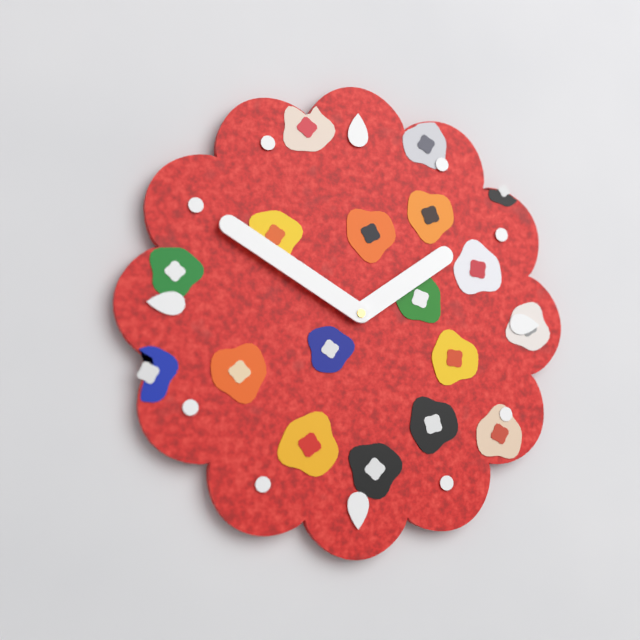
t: 1:50
